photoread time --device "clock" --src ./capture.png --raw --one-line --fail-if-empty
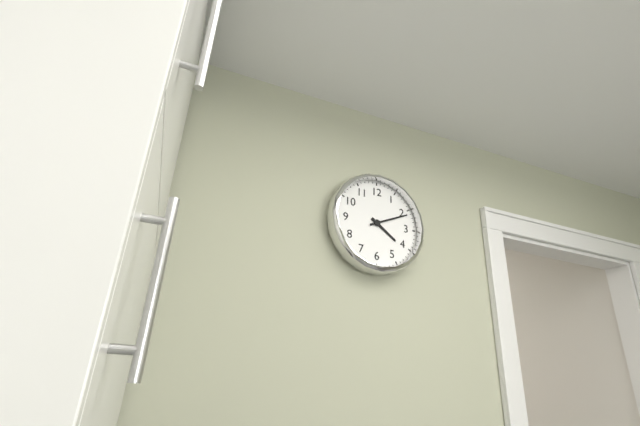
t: 4:11
